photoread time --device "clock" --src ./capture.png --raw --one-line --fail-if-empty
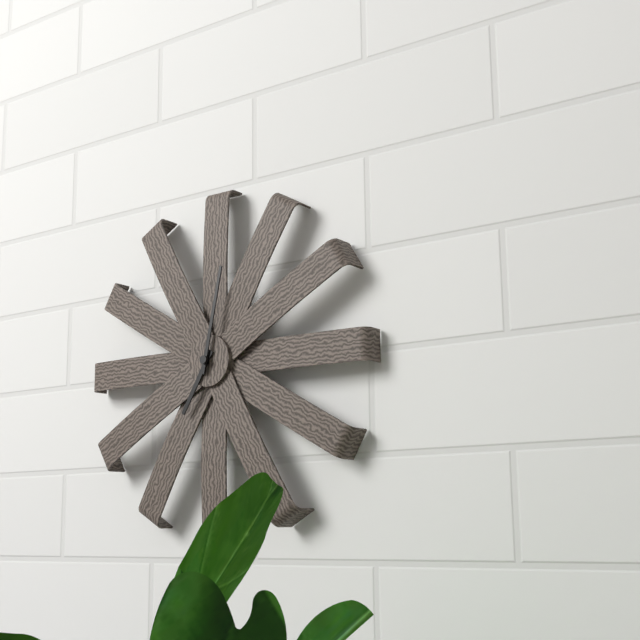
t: 7:02
